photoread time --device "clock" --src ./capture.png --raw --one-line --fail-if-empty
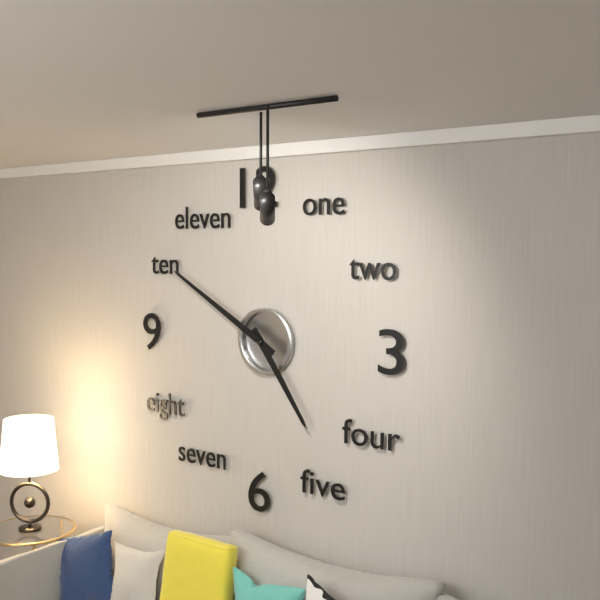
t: 4:50
